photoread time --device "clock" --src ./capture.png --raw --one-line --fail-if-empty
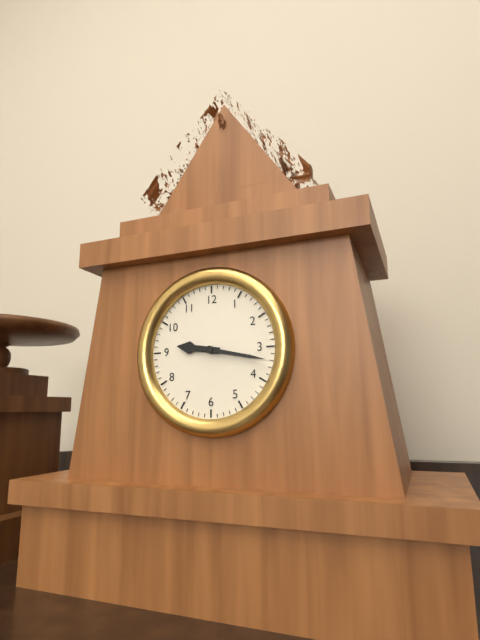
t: 9:17
